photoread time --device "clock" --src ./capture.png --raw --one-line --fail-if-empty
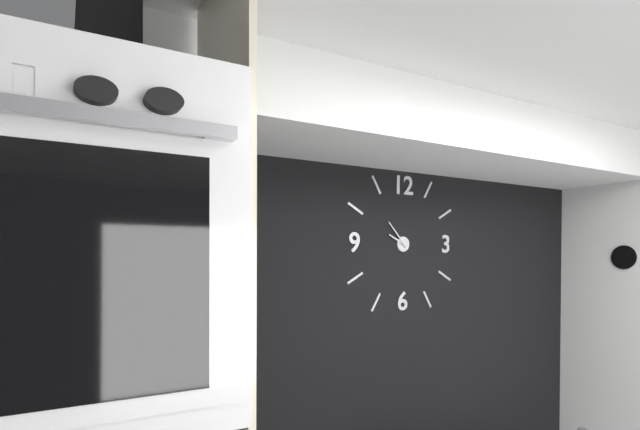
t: 9:53
